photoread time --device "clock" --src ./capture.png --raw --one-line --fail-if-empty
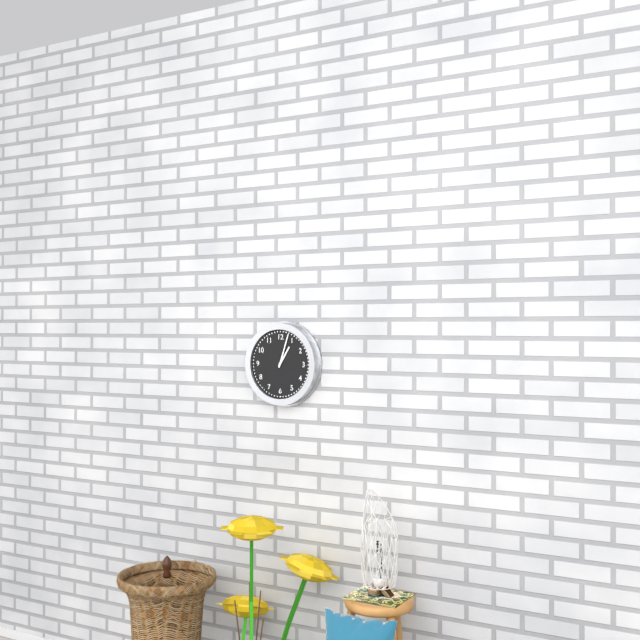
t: 1:03
